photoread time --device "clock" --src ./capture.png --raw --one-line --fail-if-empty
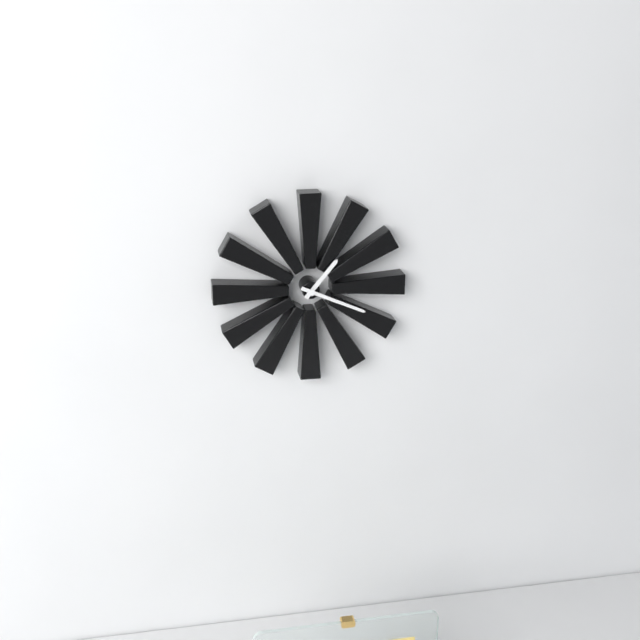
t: 1:19
